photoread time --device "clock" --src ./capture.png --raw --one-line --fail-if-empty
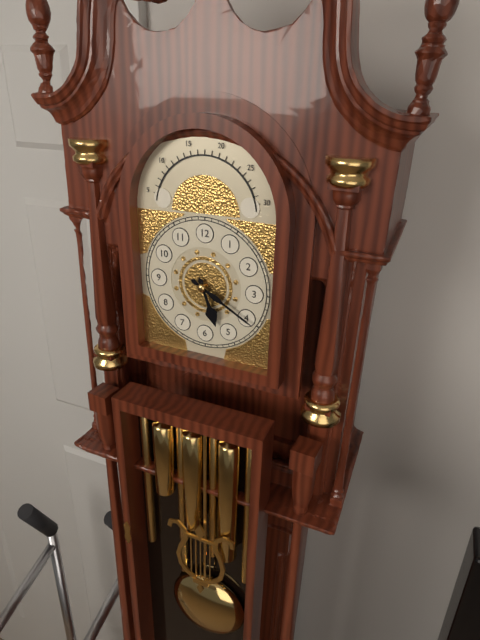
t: 5:20
